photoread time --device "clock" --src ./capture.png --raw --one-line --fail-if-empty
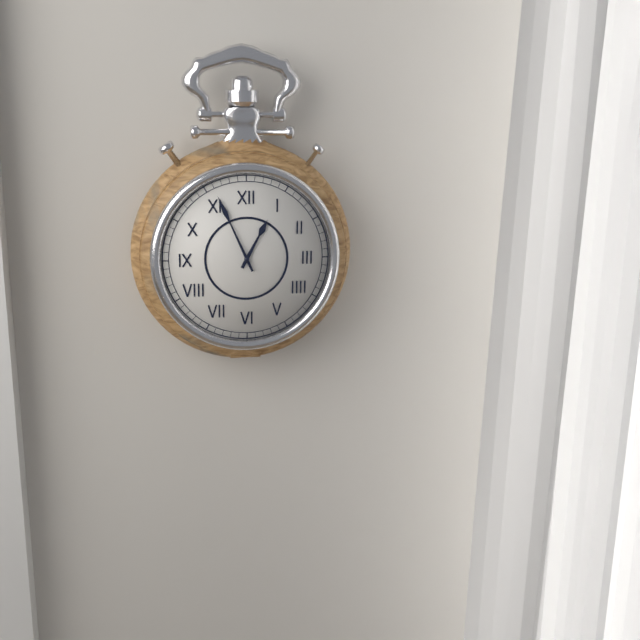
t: 12:56
